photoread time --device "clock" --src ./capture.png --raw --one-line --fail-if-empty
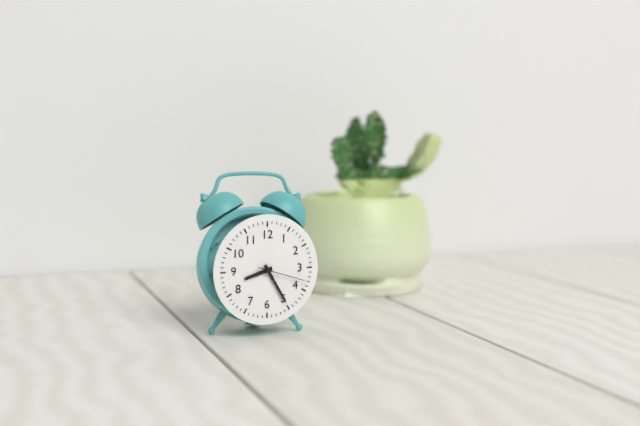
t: 8:25:18
